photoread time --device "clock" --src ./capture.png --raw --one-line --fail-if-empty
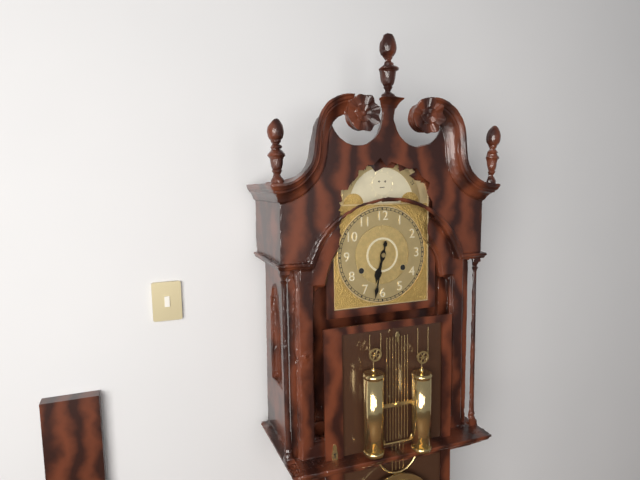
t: 6:32
